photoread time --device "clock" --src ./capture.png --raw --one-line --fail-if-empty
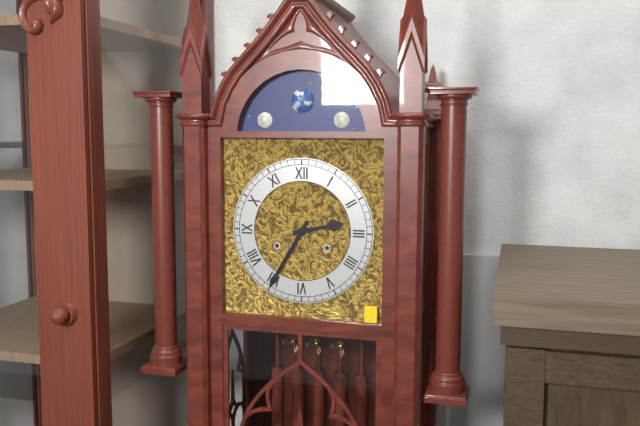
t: 2:35
